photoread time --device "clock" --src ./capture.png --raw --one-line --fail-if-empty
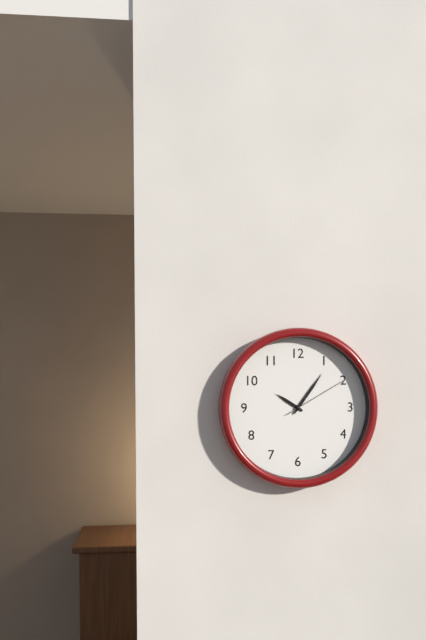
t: 10:06:10
